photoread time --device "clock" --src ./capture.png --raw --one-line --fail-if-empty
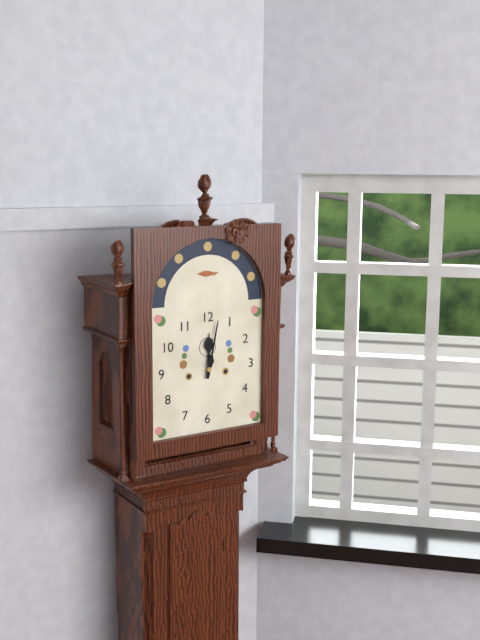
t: 12:02
